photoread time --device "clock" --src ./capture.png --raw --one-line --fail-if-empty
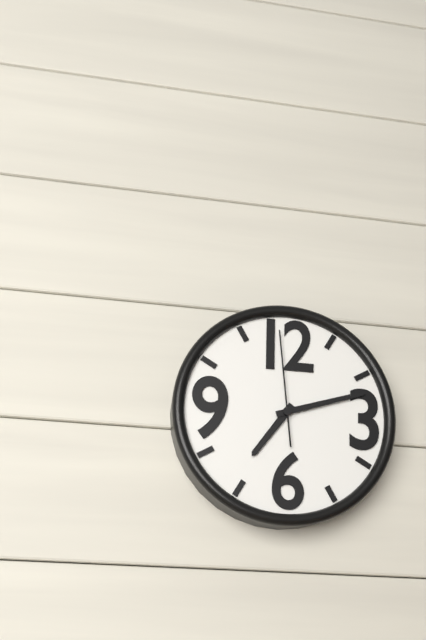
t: 7:12:59
